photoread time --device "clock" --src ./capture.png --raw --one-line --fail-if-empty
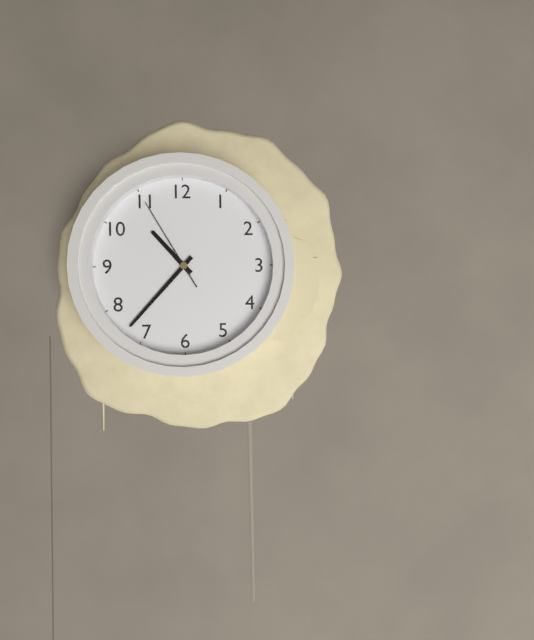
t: 10:37:55
